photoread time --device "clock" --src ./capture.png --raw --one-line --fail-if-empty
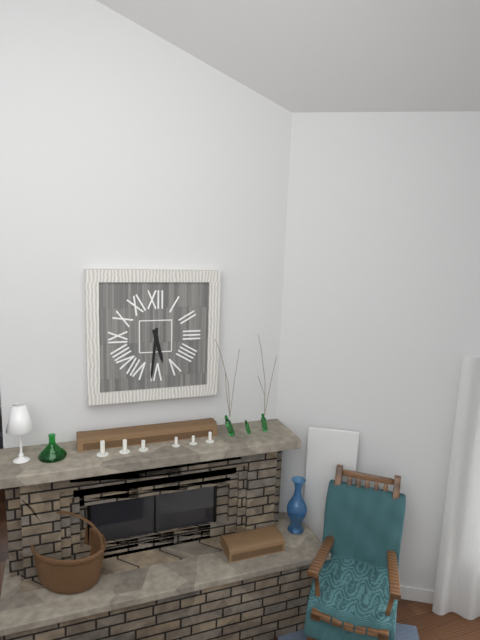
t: 5:31
